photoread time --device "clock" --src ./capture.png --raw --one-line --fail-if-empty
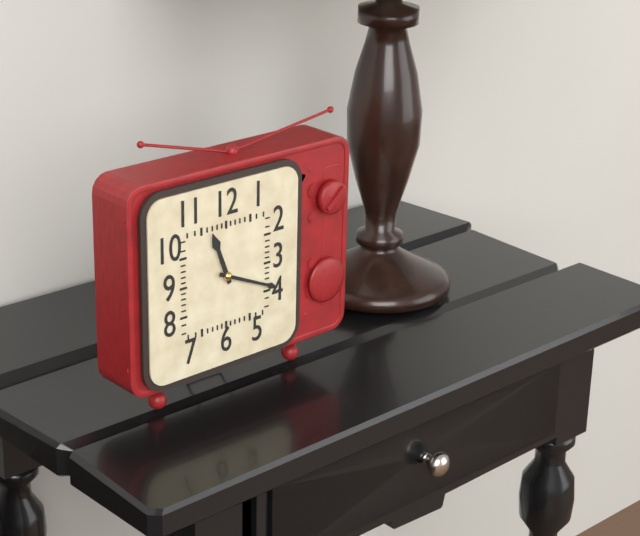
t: 11:19
